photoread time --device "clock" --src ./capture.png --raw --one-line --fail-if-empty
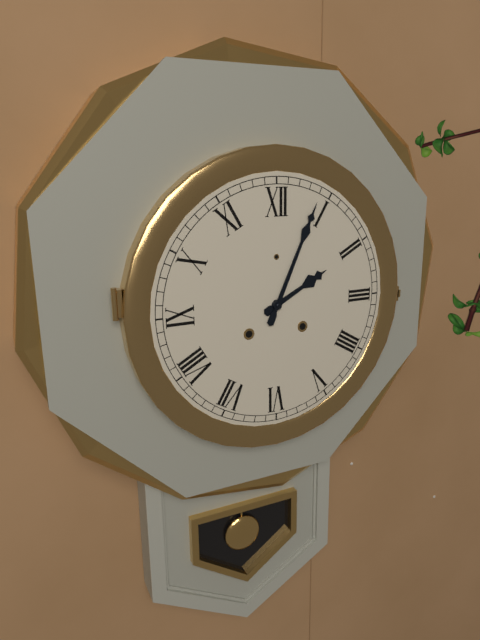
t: 2:04
